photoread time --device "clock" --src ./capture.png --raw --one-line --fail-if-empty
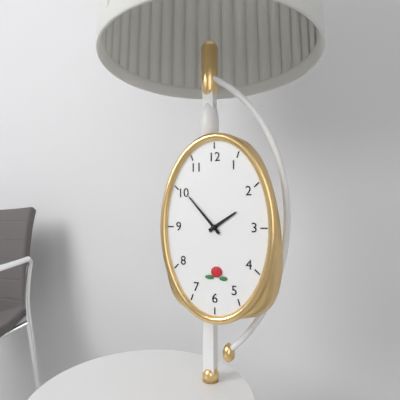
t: 1:53
